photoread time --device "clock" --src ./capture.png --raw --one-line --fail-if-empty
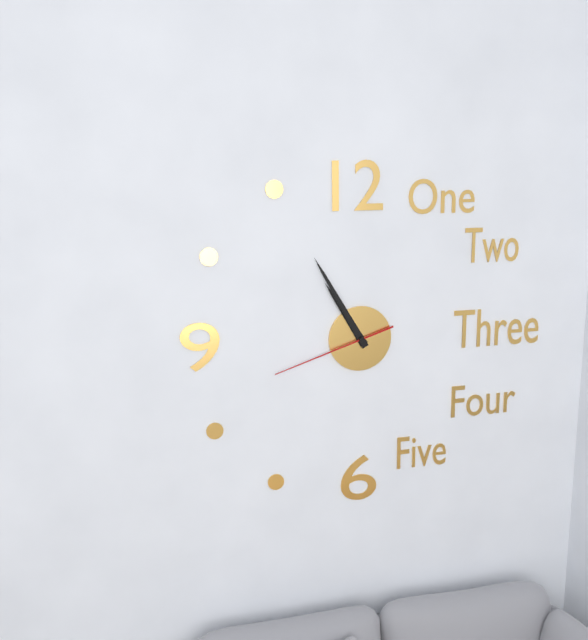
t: 10:55:42
